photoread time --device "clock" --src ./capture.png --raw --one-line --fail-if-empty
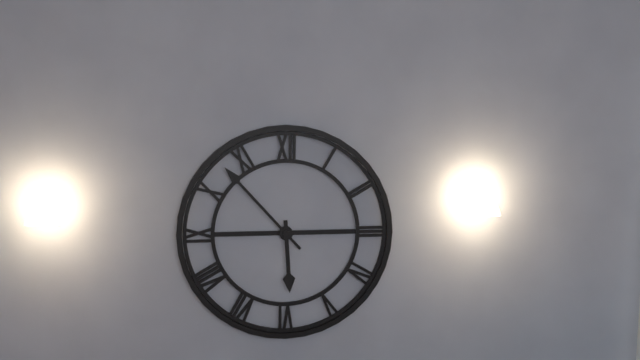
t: 5:53
